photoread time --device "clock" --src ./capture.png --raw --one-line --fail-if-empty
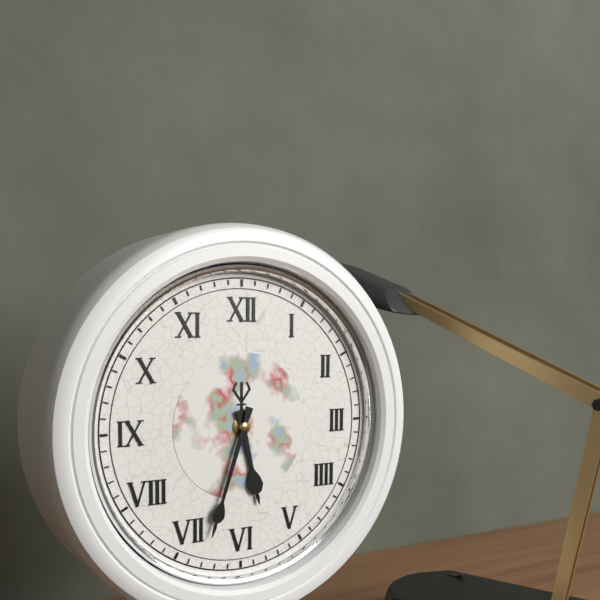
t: 5:33
